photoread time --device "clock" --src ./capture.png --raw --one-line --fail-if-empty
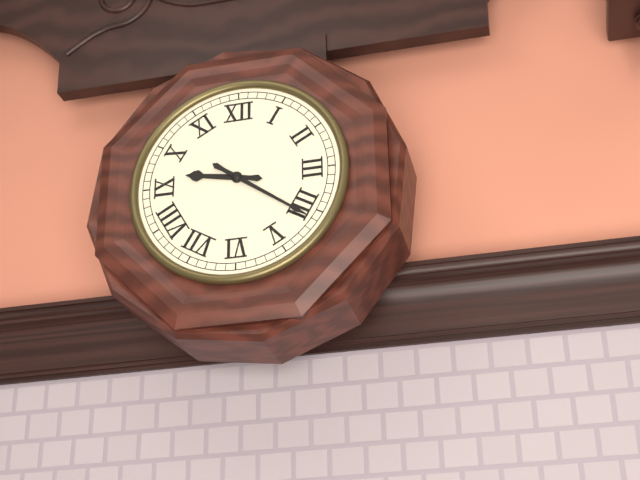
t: 9:21
